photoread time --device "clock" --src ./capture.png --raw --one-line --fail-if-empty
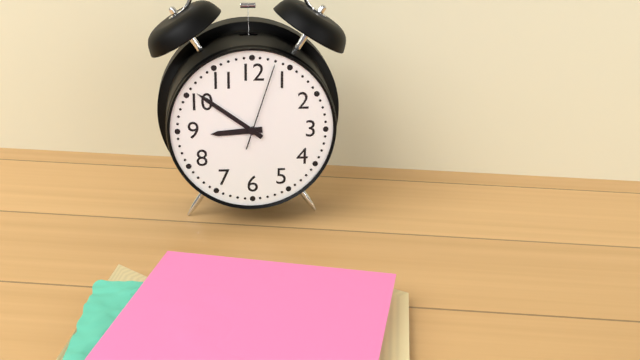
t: 8:51:03
